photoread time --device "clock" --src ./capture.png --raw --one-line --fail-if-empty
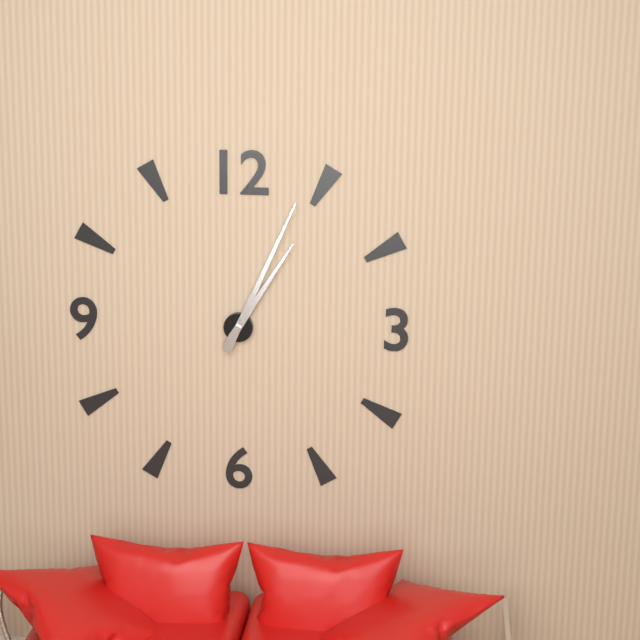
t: 1:04
